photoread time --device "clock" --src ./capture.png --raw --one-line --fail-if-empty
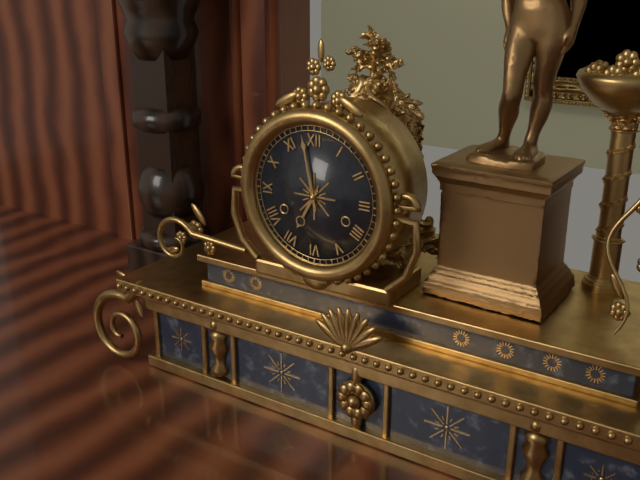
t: 6:58
